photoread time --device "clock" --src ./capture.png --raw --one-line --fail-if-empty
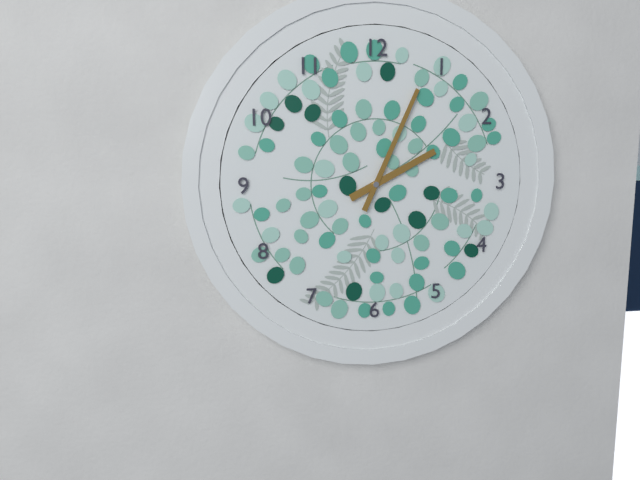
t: 2:04
